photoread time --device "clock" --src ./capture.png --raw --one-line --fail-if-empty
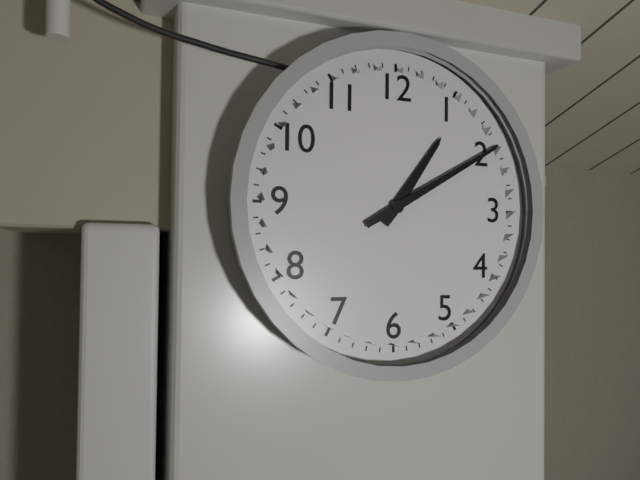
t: 1:10
